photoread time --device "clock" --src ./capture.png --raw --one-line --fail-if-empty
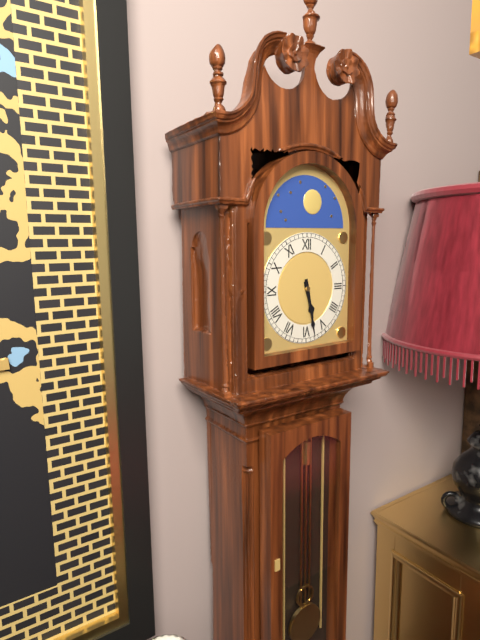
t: 5:28
